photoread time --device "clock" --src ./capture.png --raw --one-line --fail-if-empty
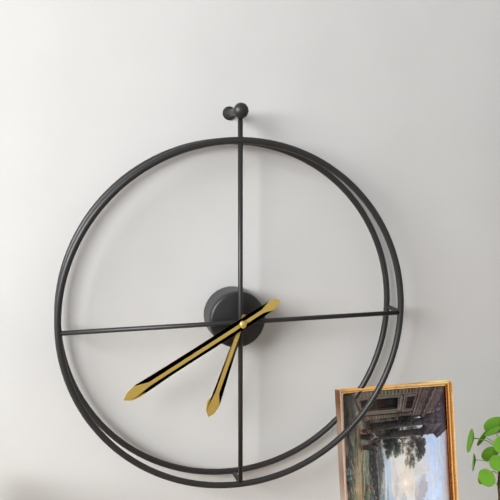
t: 6:40
